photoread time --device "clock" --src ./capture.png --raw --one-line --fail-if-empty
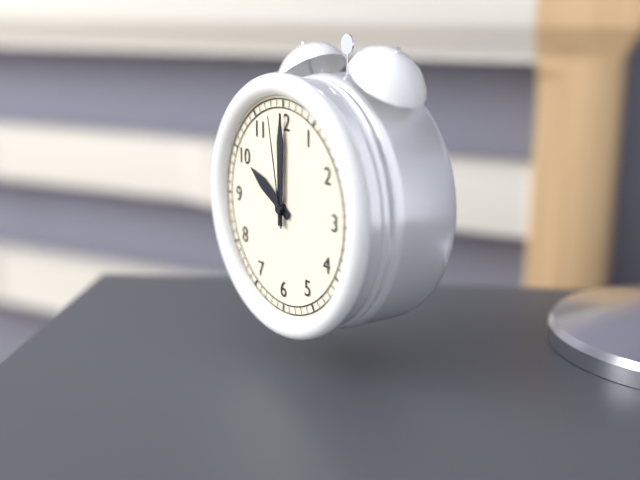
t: 10:00:58
